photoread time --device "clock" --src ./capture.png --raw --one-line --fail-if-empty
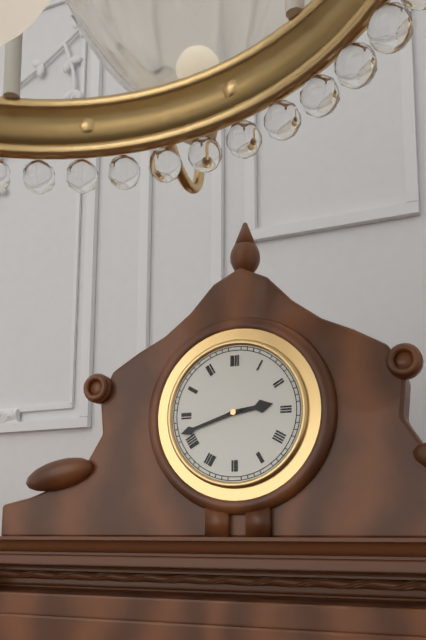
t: 2:42
